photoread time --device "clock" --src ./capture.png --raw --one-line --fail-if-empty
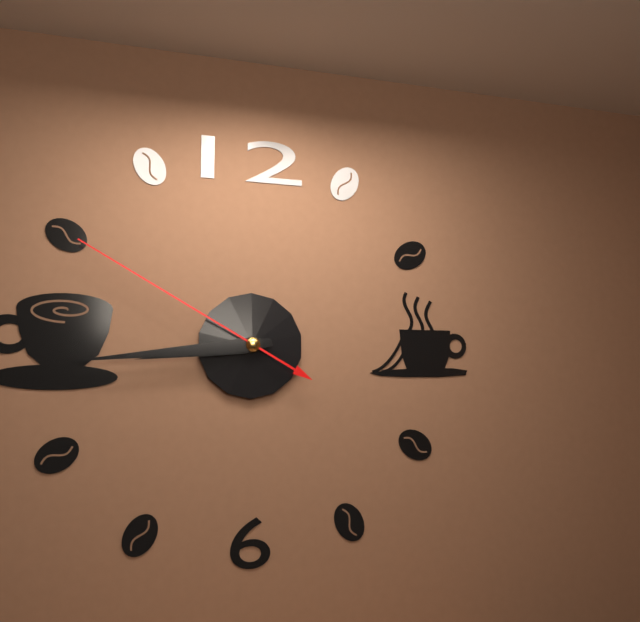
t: 8:44:50
